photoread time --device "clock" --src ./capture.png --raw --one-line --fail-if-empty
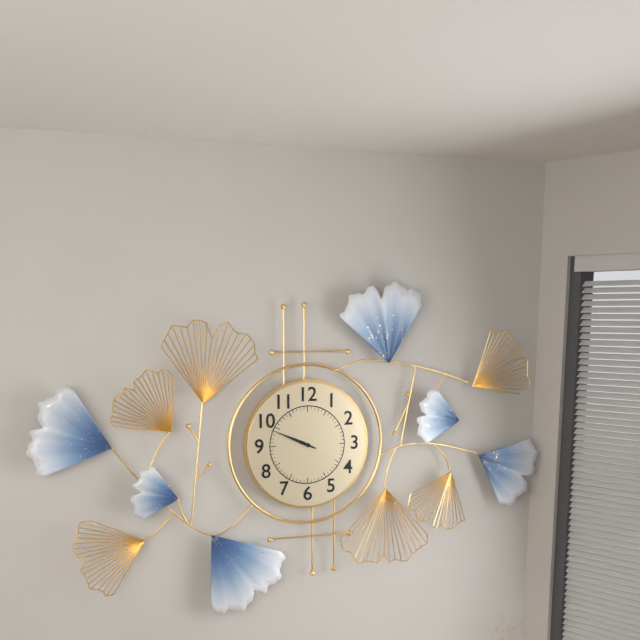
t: 9:49
